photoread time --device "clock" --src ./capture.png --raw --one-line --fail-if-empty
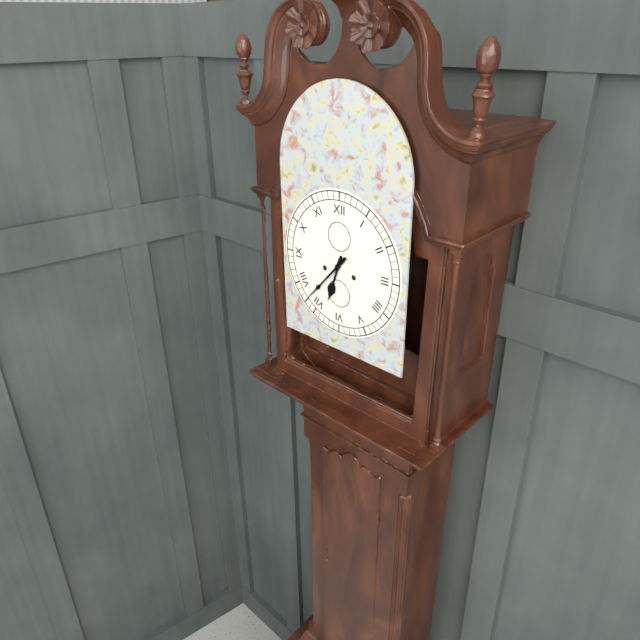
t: 6:37
